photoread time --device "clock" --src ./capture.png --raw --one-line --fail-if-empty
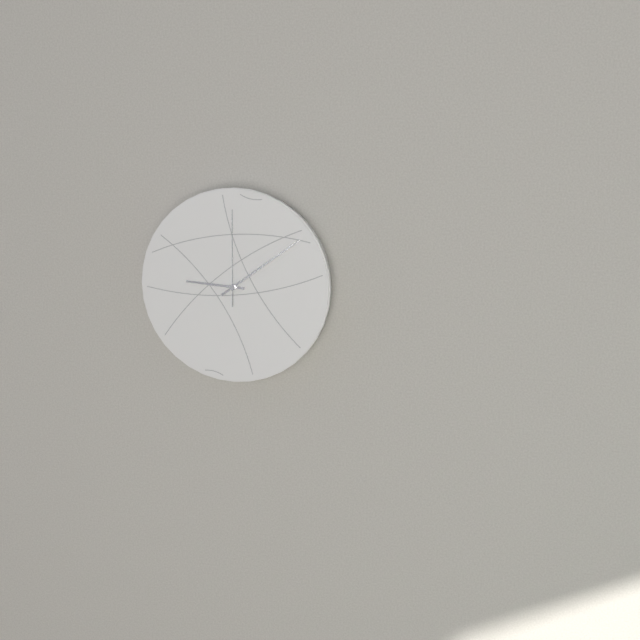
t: 9:09:00
